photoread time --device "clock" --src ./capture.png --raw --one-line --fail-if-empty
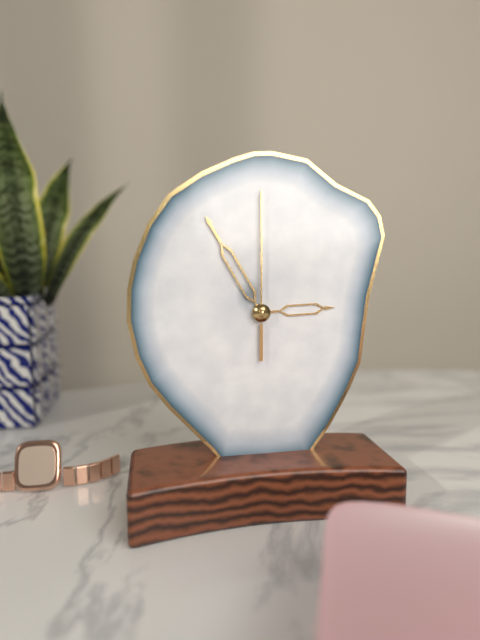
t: 2:55:00
